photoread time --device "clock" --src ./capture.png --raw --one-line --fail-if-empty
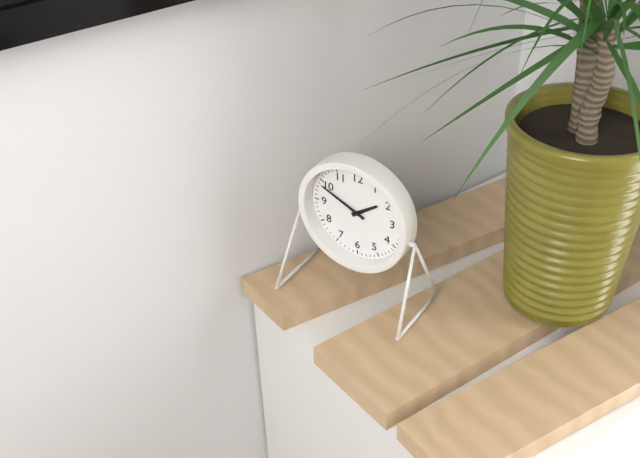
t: 1:49
